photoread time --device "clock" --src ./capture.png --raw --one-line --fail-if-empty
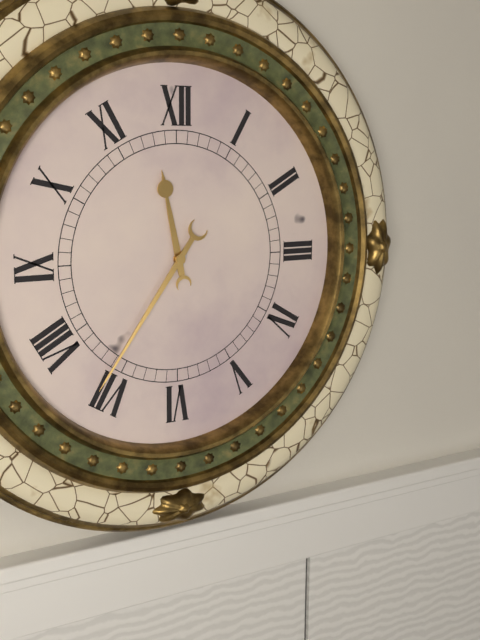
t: 11:36
